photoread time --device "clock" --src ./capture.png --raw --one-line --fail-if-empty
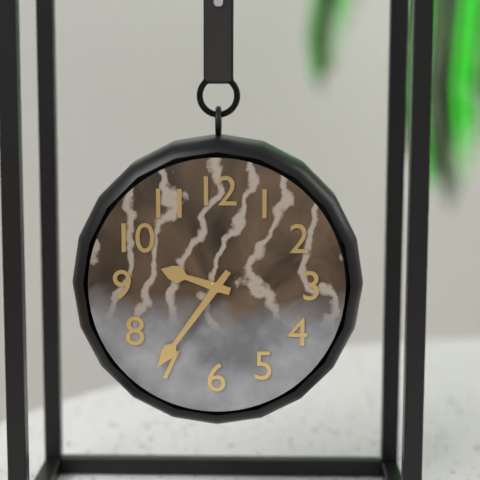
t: 9:36
